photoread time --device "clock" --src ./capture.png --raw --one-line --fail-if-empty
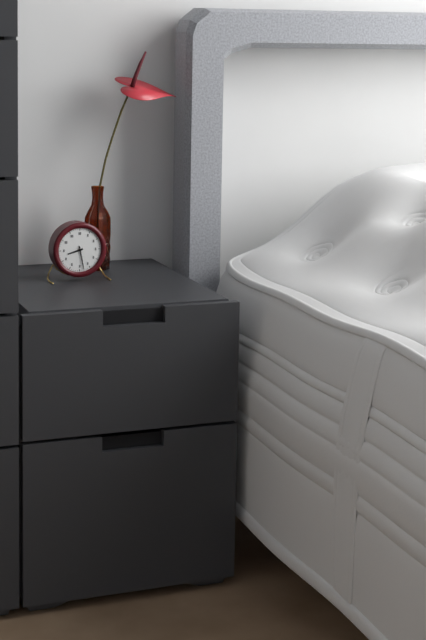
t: 8:28
